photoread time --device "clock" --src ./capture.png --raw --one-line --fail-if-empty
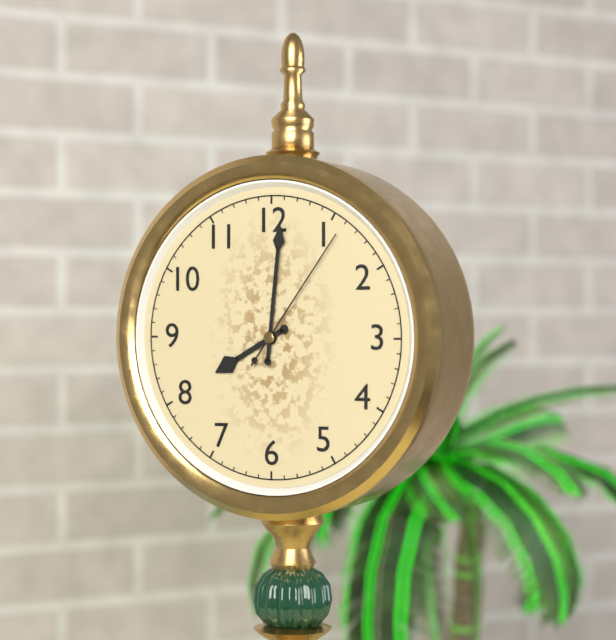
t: 8:01:06
